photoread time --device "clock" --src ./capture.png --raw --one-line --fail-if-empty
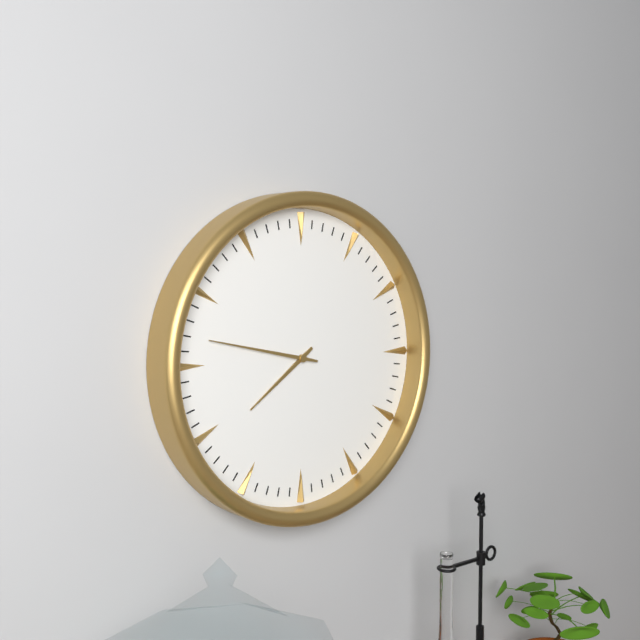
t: 7:47
